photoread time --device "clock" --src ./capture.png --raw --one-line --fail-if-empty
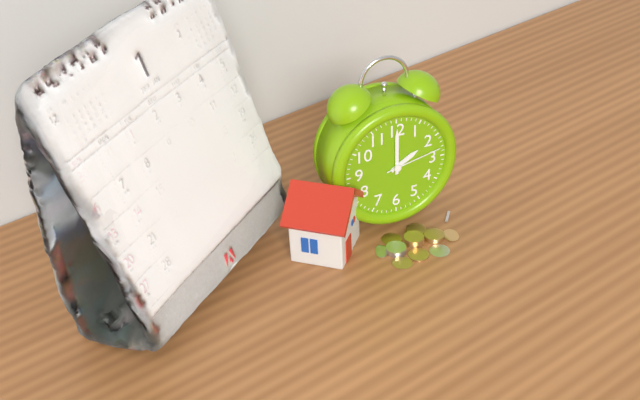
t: 2:00:13
